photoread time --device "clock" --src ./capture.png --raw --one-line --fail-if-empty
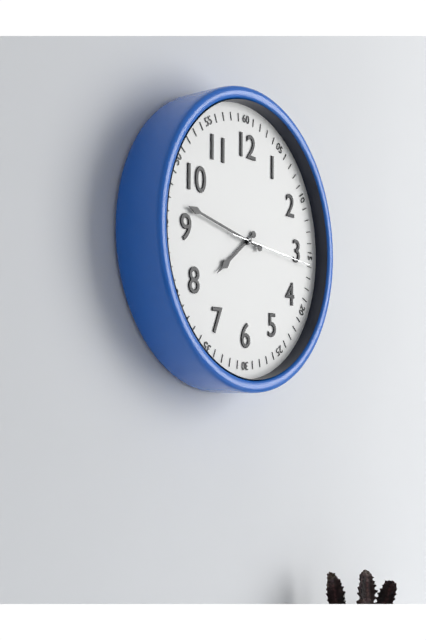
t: 7:47:16
